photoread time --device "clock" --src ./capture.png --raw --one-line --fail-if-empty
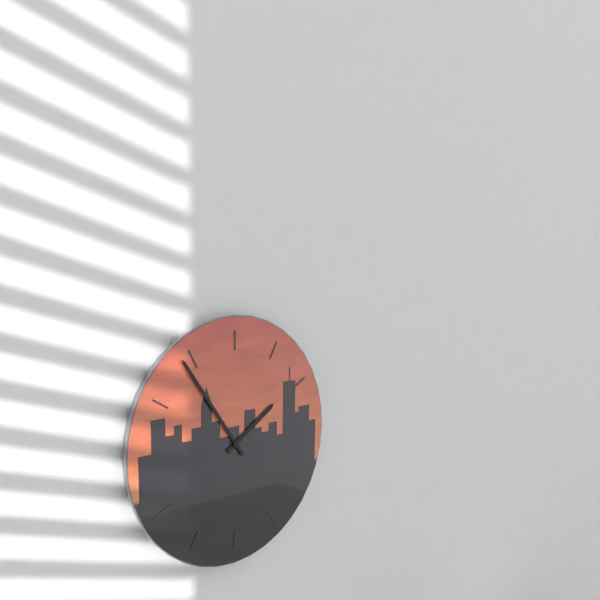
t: 1:54
